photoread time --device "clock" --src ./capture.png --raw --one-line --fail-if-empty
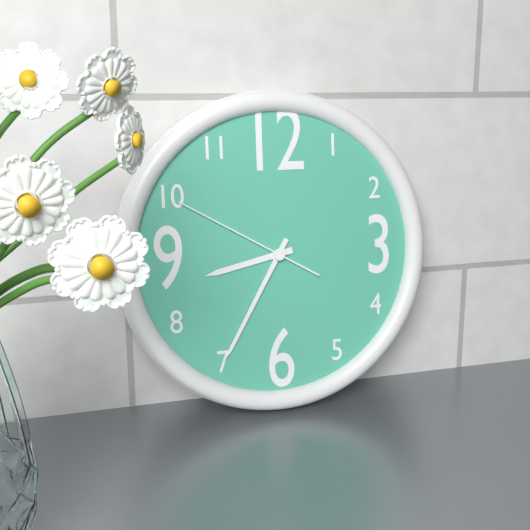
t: 8:35:50
